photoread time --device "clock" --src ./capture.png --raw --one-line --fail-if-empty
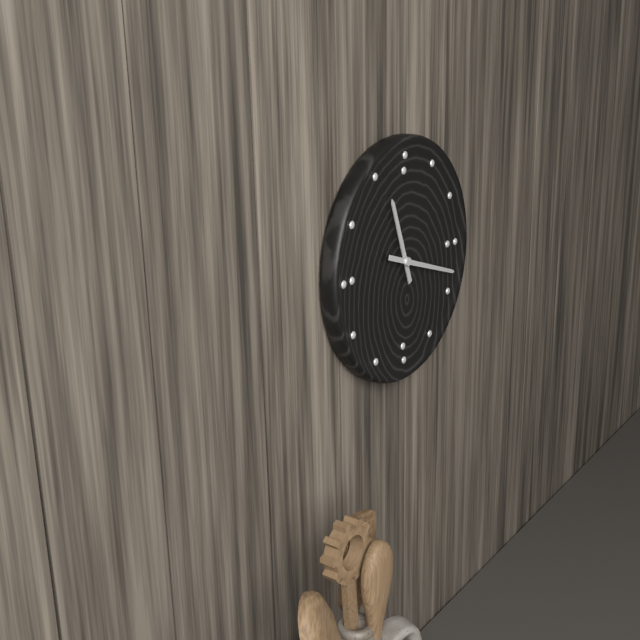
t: 11:18
